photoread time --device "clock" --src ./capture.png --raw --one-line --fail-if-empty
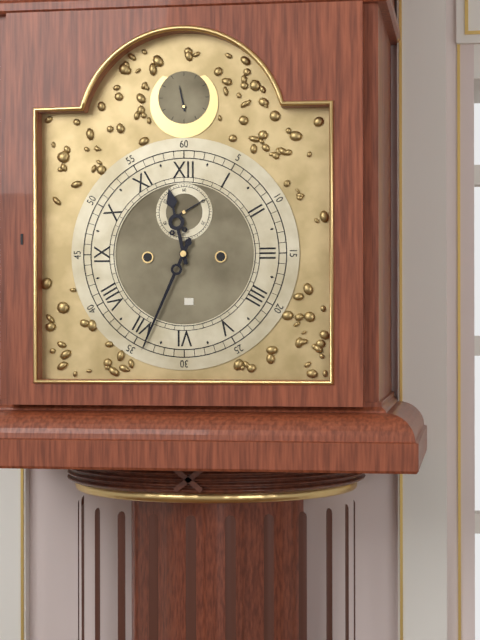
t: 11:34
